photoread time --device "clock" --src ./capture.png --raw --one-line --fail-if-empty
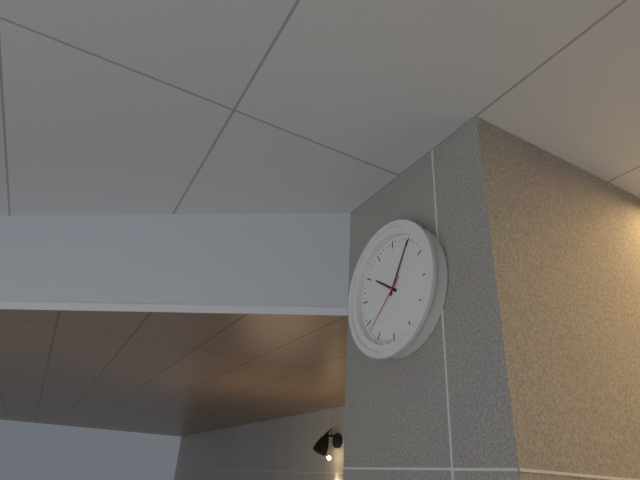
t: 10:05:38
